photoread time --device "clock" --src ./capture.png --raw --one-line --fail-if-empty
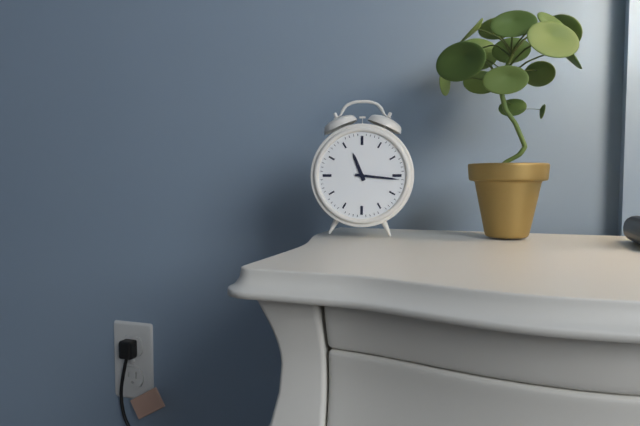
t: 11:16
